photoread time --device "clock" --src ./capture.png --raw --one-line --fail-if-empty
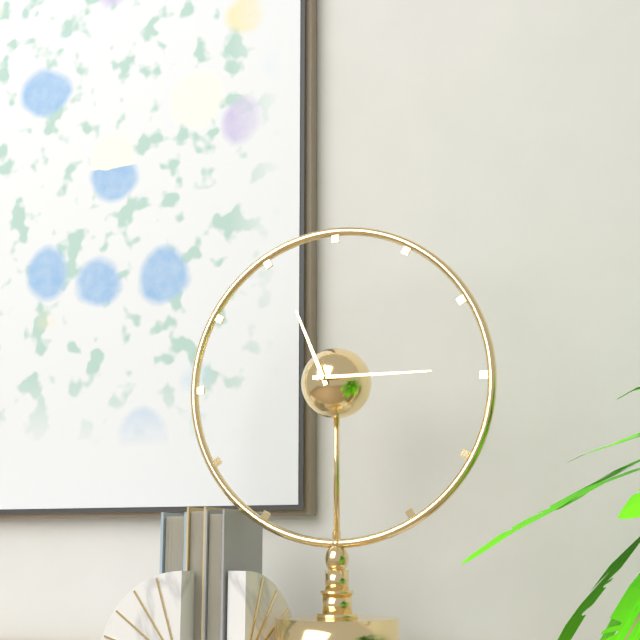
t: 11:15
